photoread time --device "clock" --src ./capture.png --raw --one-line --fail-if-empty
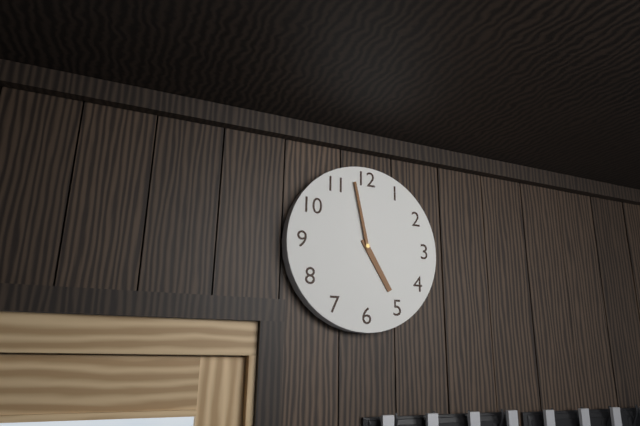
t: 4:58
